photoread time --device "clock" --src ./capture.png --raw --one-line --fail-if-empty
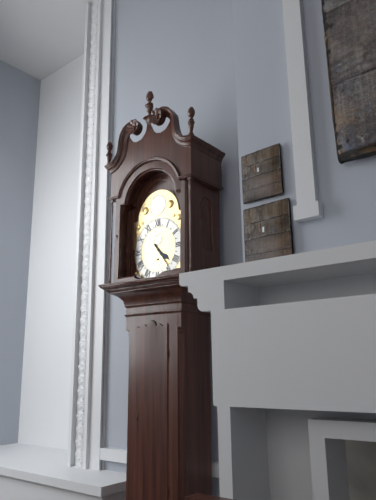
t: 4:24
